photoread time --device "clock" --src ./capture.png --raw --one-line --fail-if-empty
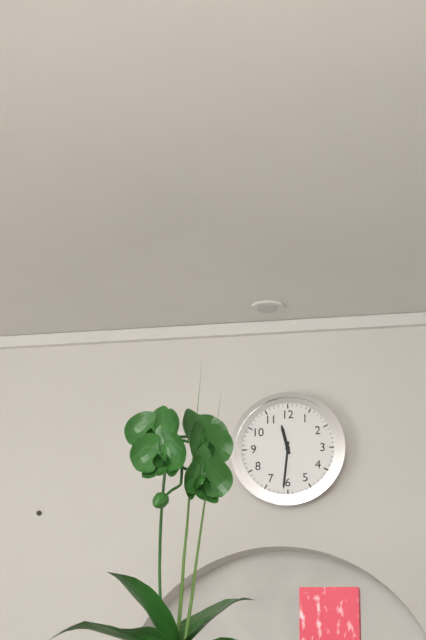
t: 11:31
